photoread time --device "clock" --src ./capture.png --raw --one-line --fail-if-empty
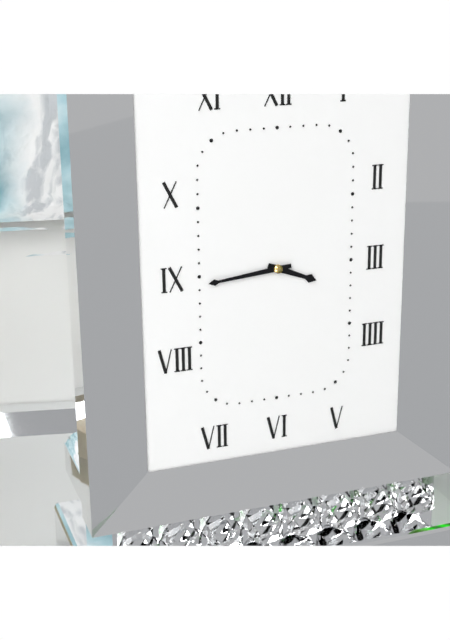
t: 3:44
